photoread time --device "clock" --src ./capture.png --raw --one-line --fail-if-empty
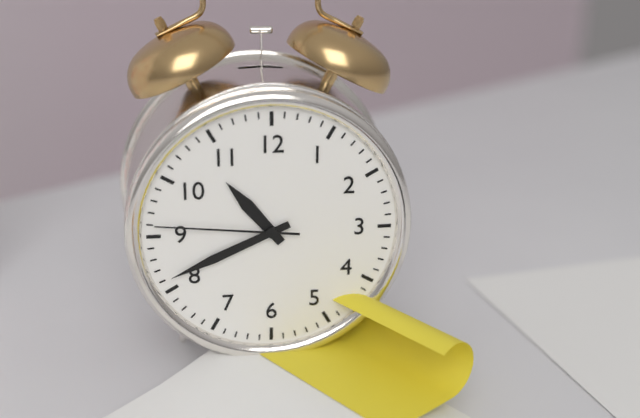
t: 10:41:46
